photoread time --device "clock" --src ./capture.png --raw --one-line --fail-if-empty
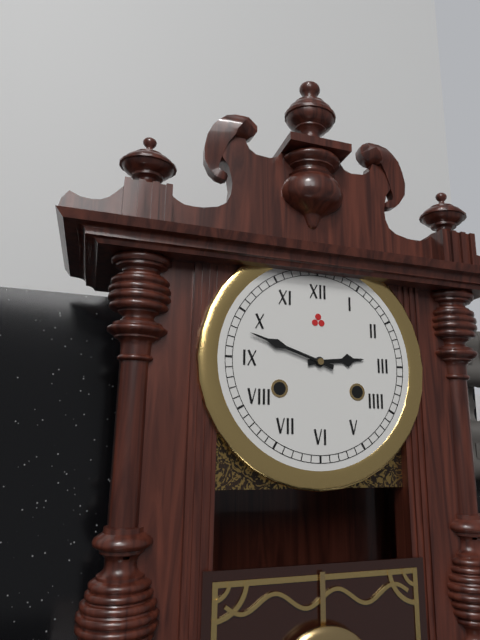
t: 2:48
